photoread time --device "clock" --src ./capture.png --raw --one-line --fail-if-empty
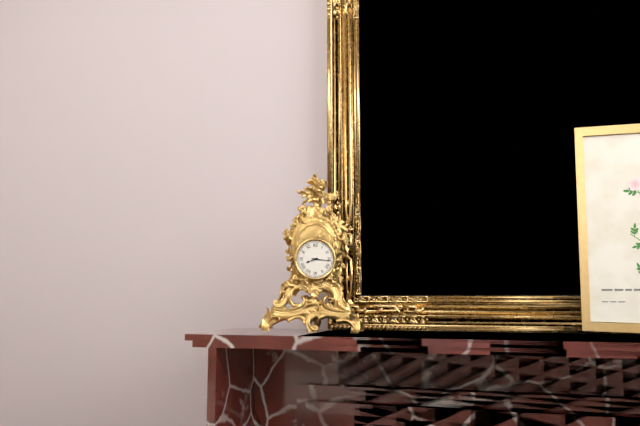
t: 8:16
